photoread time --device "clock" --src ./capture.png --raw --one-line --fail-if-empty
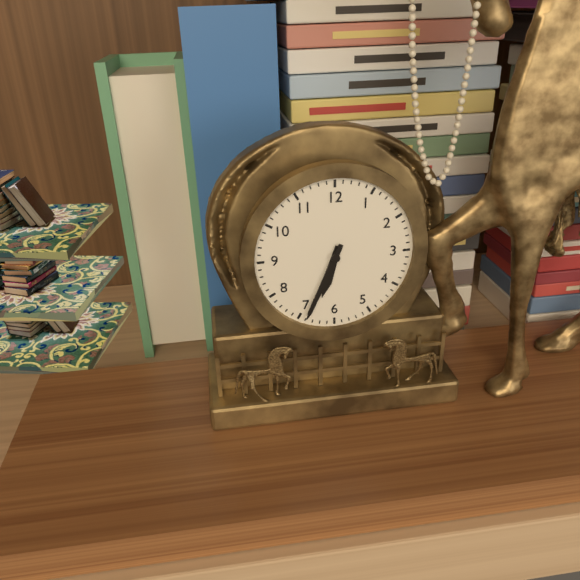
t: 6:34
